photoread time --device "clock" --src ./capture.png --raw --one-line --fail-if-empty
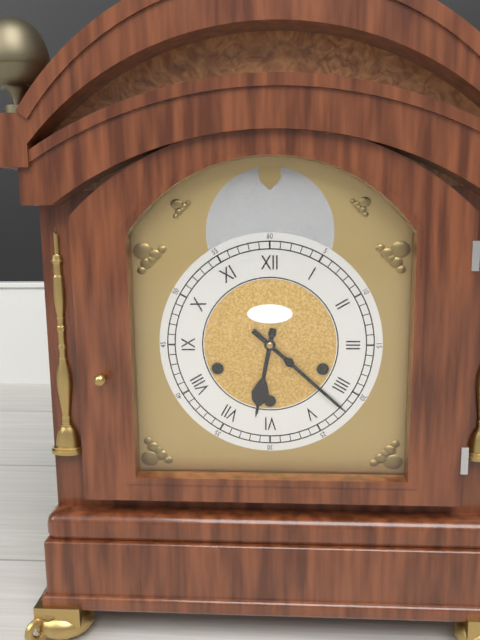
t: 6:22
